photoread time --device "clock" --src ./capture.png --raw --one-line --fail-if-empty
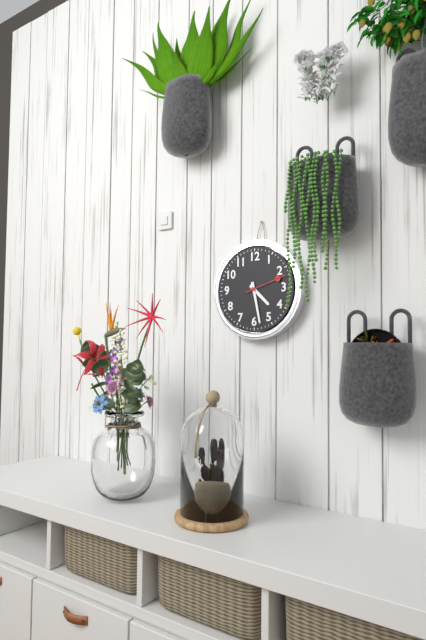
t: 4:28
